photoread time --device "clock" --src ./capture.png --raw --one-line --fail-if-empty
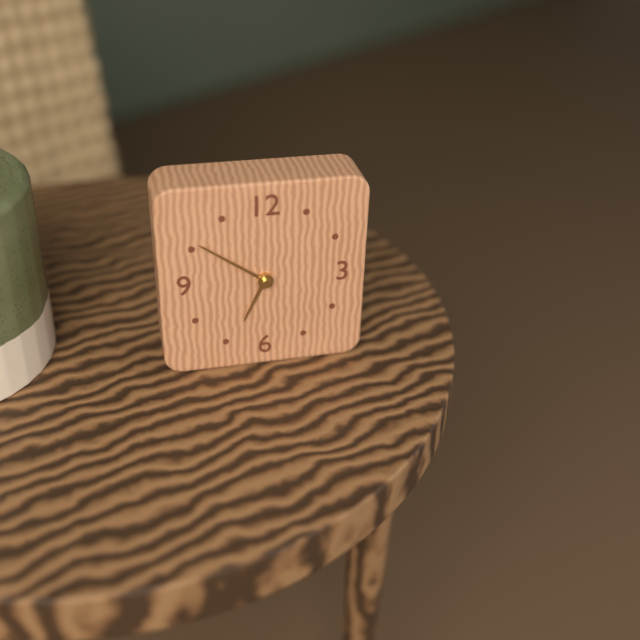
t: 6:51
